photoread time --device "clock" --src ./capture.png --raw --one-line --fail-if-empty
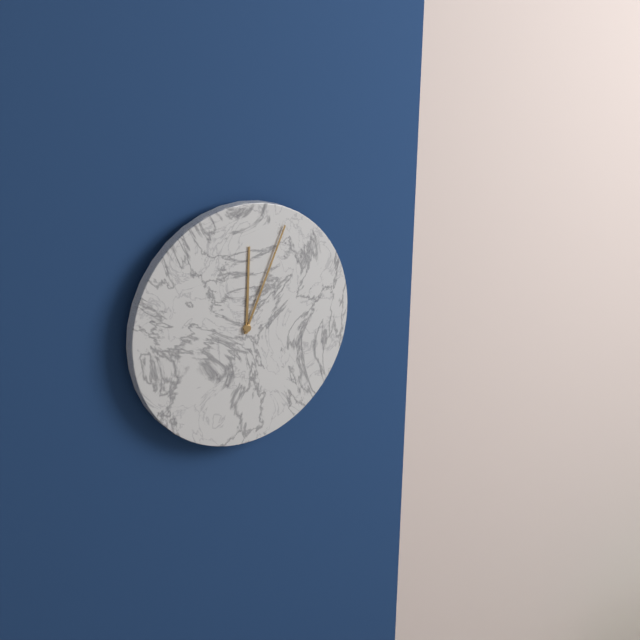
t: 12:04
